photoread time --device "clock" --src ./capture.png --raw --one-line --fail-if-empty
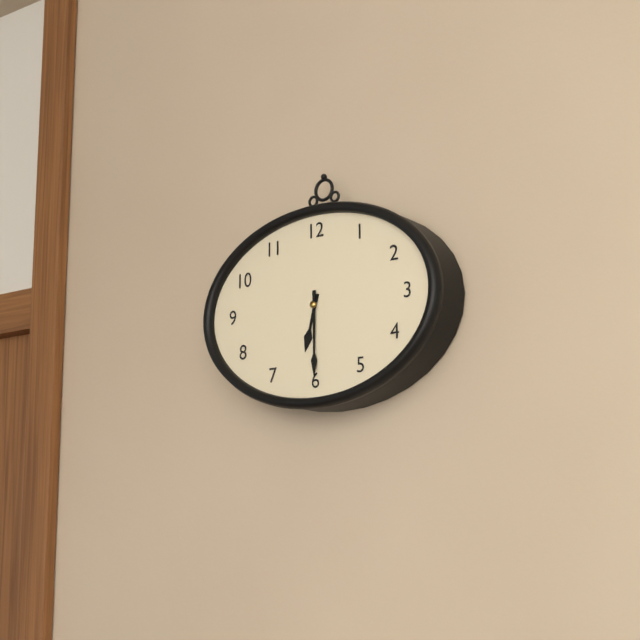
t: 6:30
